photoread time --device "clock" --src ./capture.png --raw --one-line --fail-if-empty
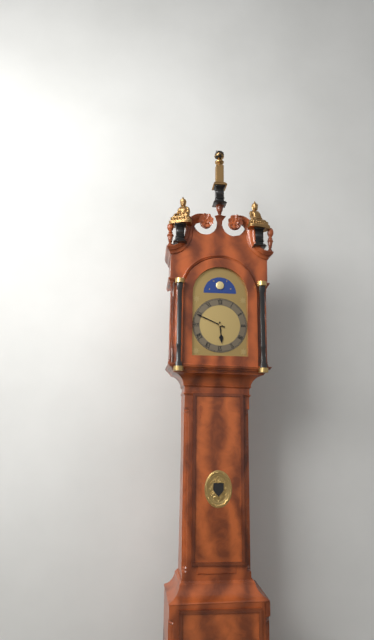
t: 5:49
